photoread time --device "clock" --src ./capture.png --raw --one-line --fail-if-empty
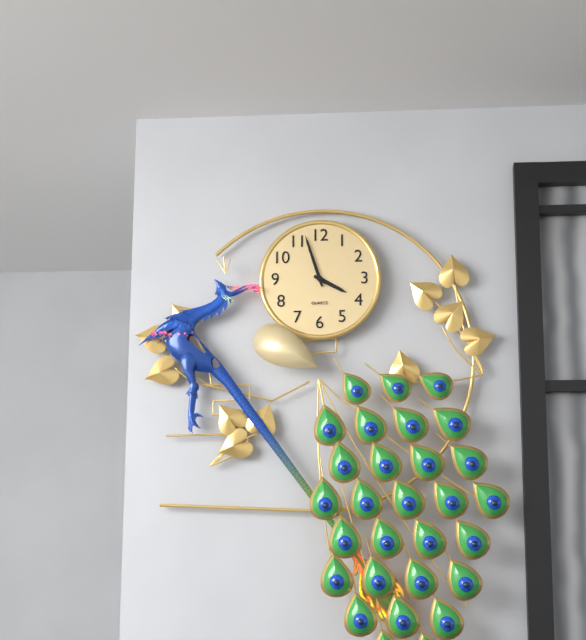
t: 3:57
